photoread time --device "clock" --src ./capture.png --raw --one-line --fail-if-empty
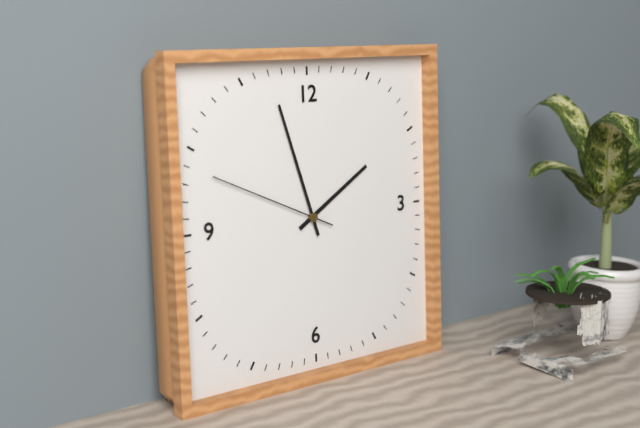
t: 1:57:49
